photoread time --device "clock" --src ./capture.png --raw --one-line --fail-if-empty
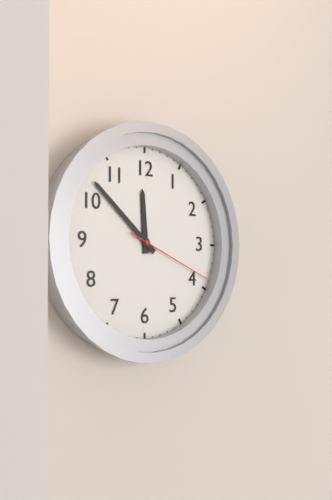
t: 11:52:19
